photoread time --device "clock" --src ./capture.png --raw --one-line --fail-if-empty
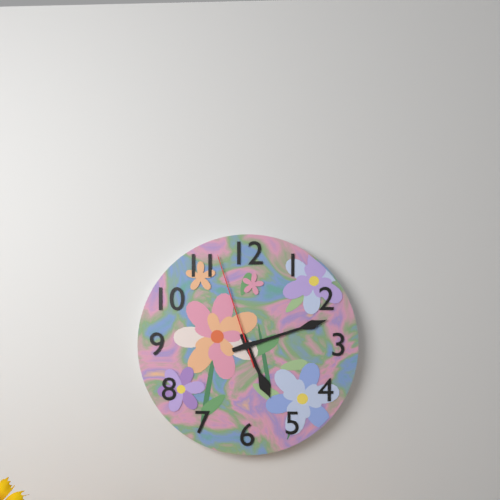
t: 5:12:57
